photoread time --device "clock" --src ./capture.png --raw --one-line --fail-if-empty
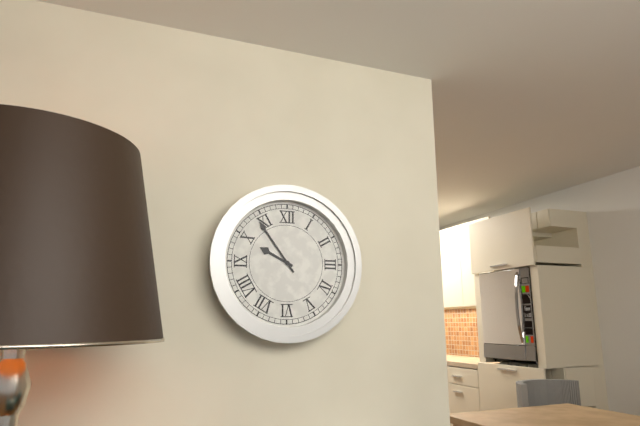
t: 9:54
